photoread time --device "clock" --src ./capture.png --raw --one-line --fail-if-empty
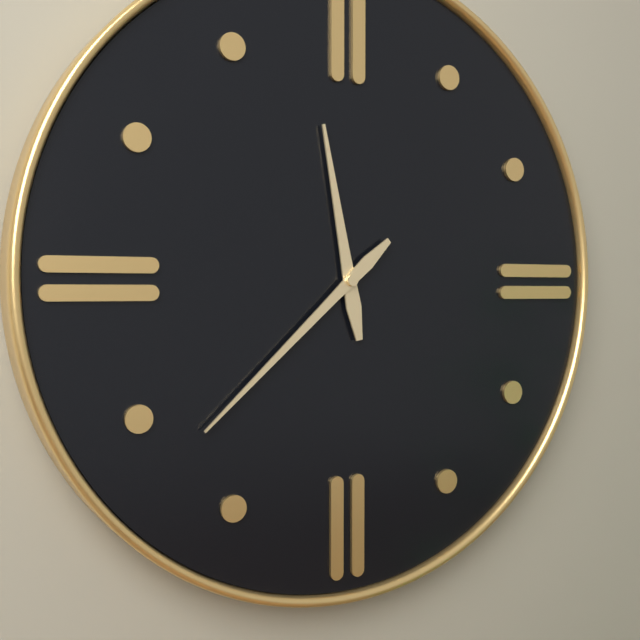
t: 11:38
